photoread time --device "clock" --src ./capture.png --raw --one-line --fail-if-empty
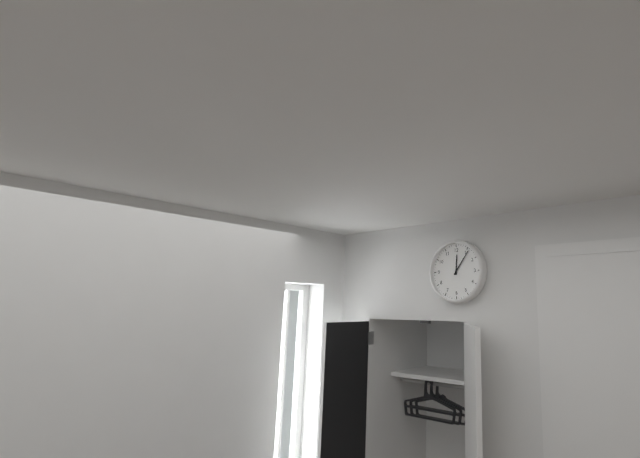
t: 12:06
